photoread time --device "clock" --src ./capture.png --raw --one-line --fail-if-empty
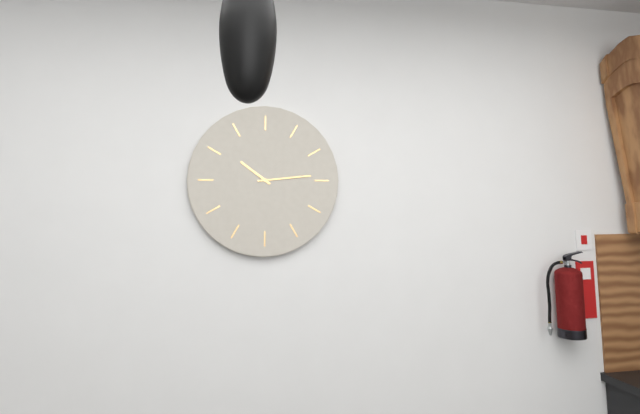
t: 10:14
